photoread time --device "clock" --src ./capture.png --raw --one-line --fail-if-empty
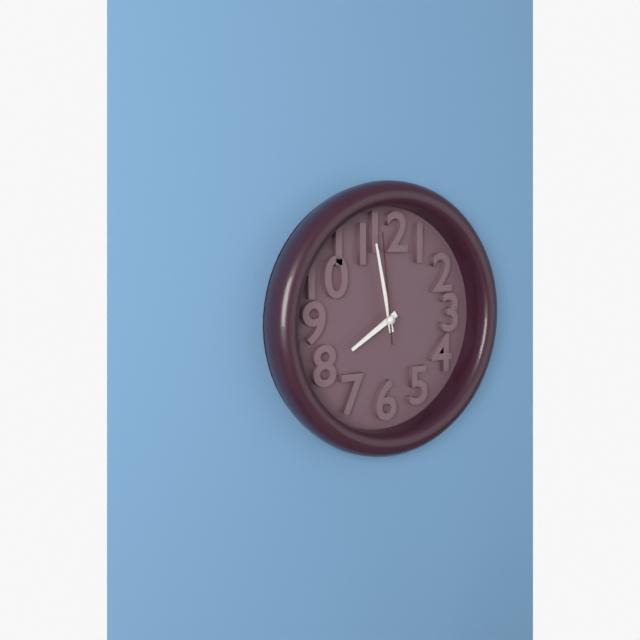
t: 7:58:59
